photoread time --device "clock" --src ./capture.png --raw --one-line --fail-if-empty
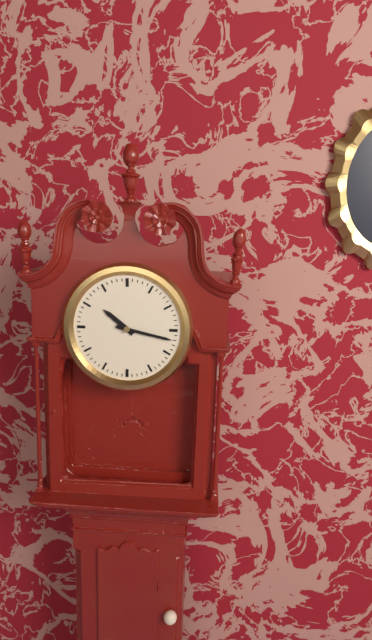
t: 10:17
